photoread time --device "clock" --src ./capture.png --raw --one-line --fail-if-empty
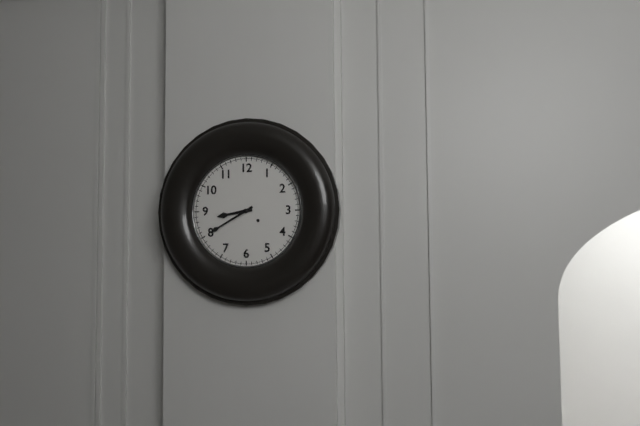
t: 8:40
